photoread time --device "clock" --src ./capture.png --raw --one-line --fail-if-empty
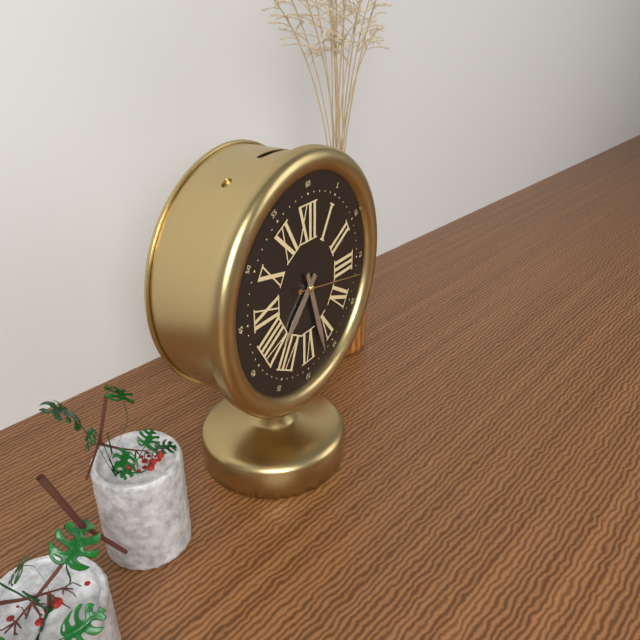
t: 7:27:17
